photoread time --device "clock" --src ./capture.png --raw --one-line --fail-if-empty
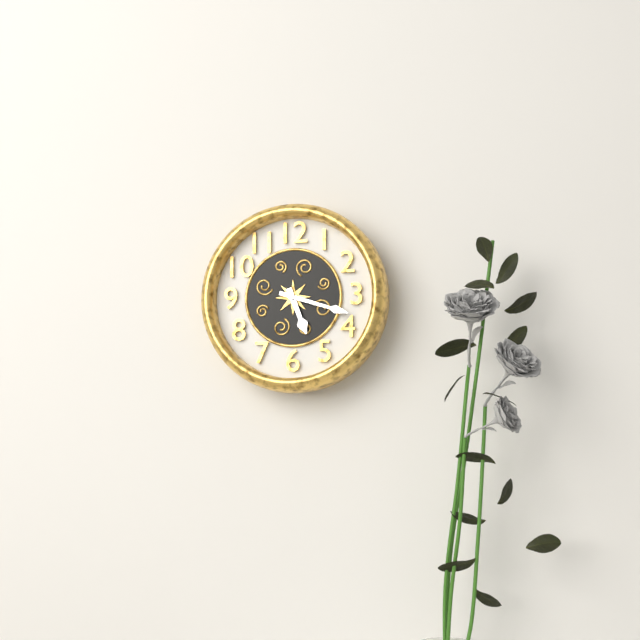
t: 5:18
